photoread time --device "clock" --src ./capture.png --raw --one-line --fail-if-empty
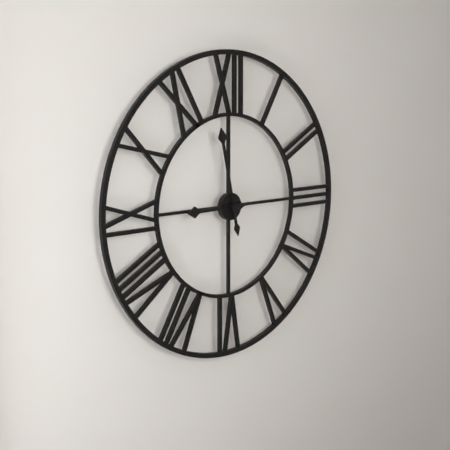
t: 8:58
